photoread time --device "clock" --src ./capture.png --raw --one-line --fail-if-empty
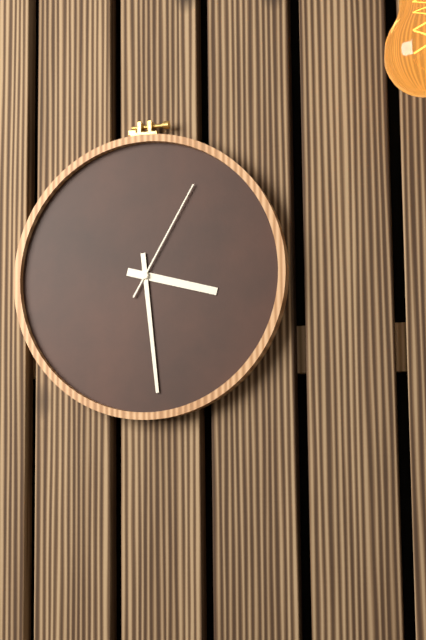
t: 3:29:05
